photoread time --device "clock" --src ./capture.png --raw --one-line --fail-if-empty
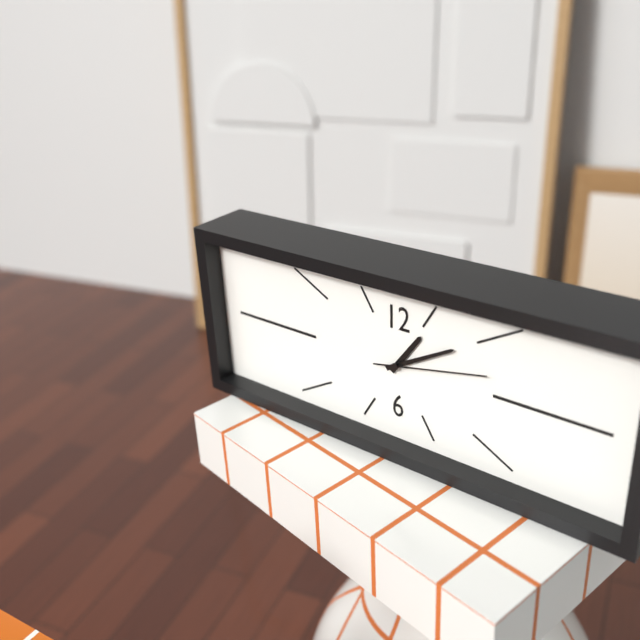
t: 1:10:13
